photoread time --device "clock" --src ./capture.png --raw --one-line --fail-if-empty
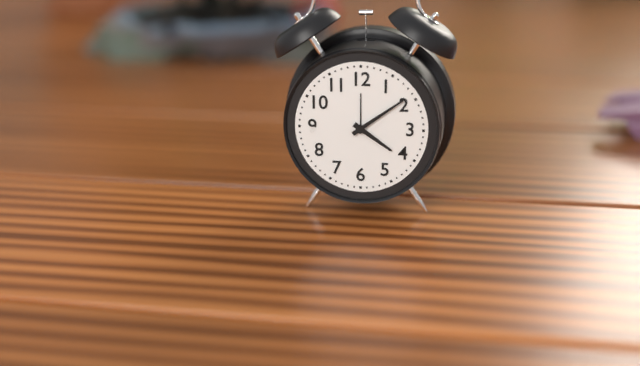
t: 4:09
